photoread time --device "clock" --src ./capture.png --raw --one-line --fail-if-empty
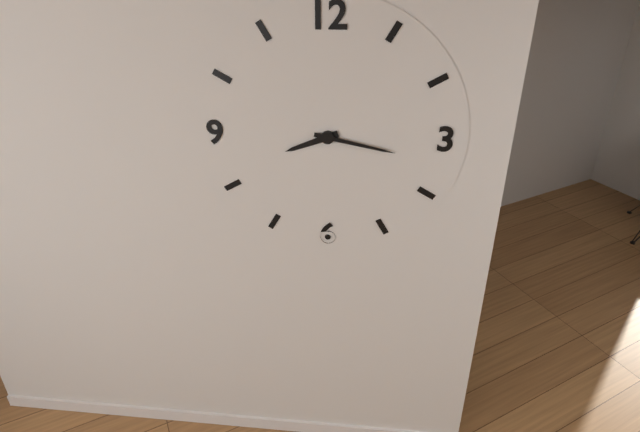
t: 8:17
